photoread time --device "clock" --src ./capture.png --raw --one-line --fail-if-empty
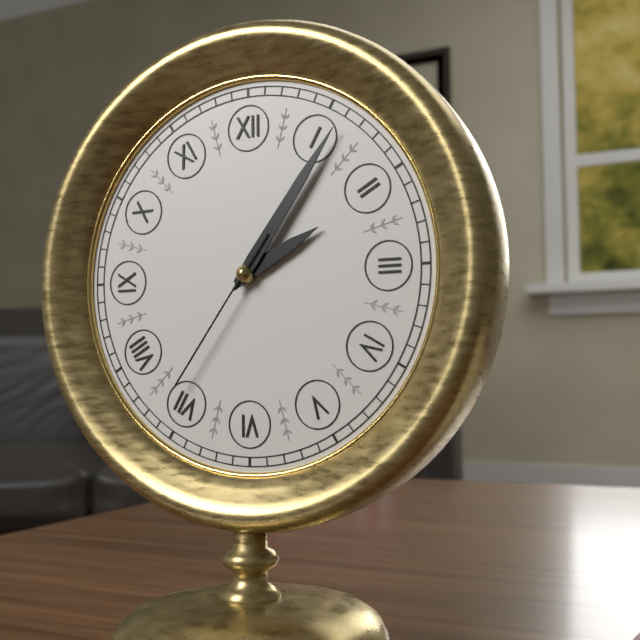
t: 2:06:36
